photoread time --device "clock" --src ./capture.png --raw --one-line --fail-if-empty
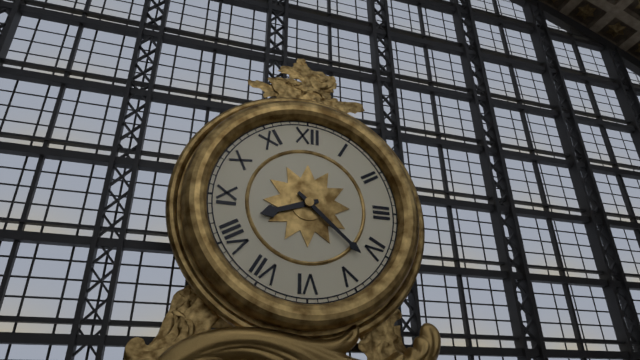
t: 8:22
